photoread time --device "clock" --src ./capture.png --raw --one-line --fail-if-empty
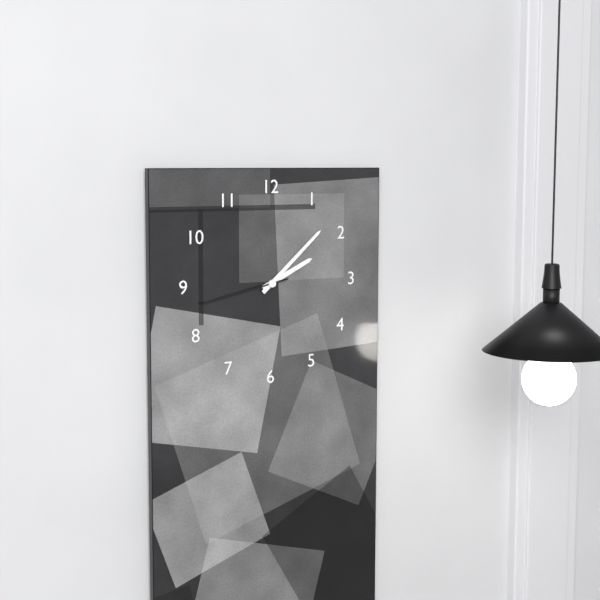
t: 2:08:43
